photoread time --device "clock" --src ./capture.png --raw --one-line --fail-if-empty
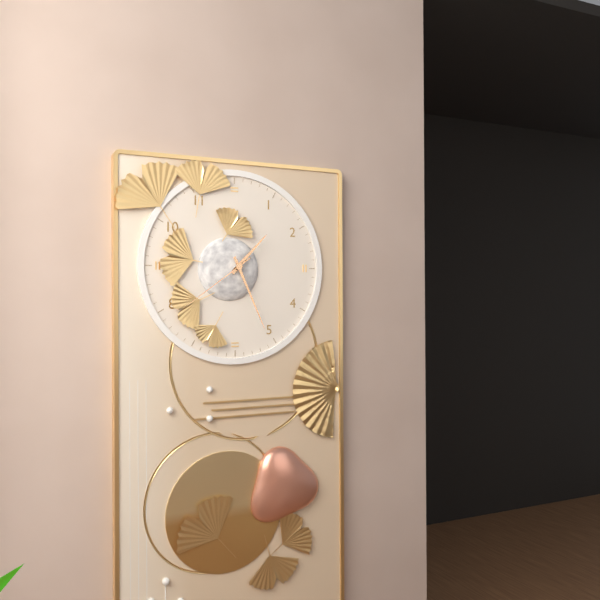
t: 1:26:39
